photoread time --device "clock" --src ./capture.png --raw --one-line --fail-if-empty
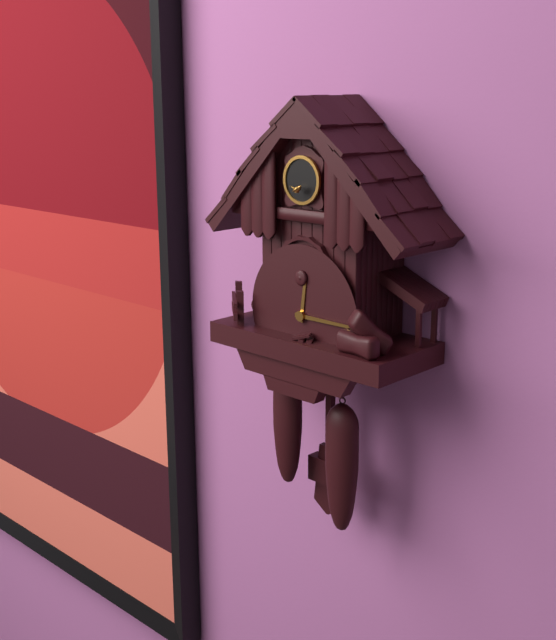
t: 12:15
